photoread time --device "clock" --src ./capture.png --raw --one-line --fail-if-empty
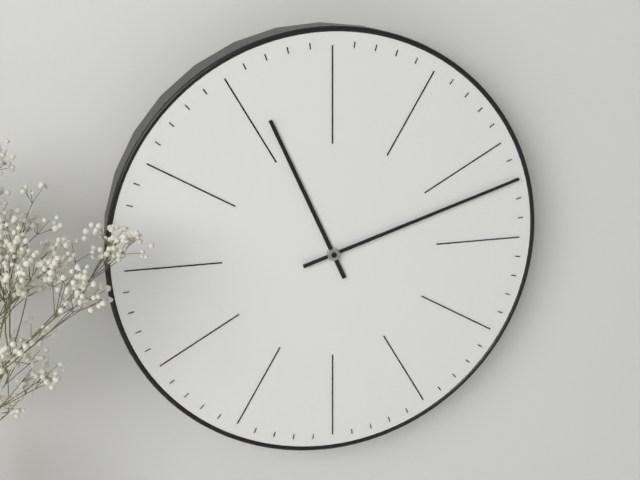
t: 11:12
